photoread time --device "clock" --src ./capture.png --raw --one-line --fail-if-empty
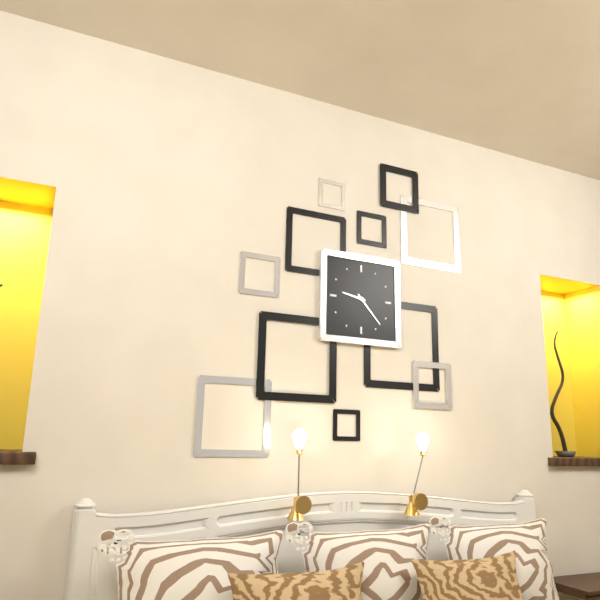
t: 9:23
